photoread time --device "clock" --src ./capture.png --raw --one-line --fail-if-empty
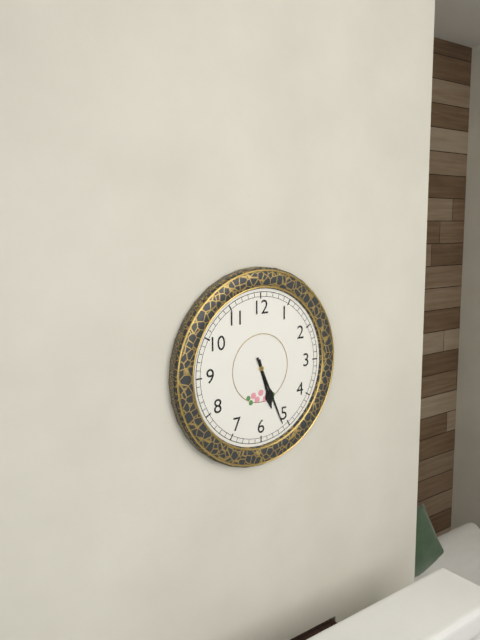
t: 5:26
